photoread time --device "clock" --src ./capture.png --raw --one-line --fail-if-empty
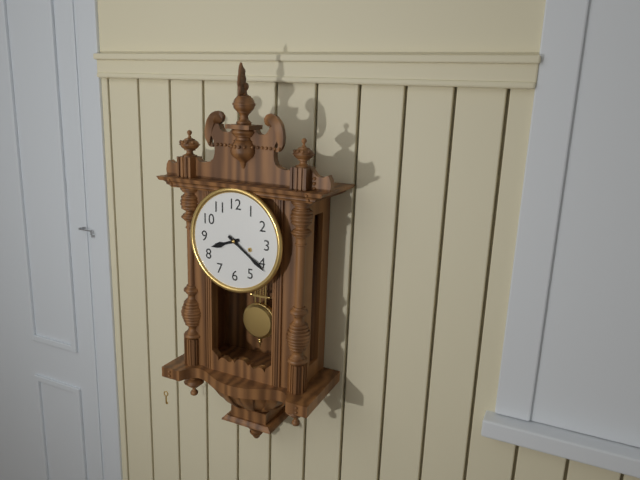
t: 8:21
